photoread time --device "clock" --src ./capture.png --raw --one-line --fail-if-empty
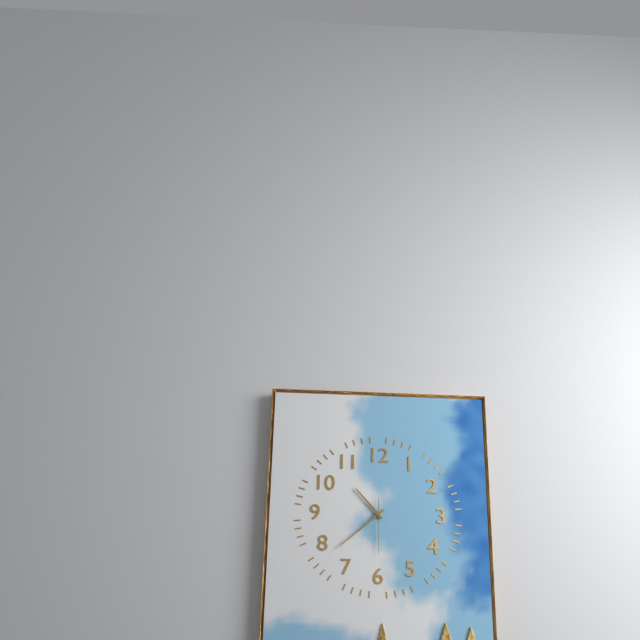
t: 10:38:30
